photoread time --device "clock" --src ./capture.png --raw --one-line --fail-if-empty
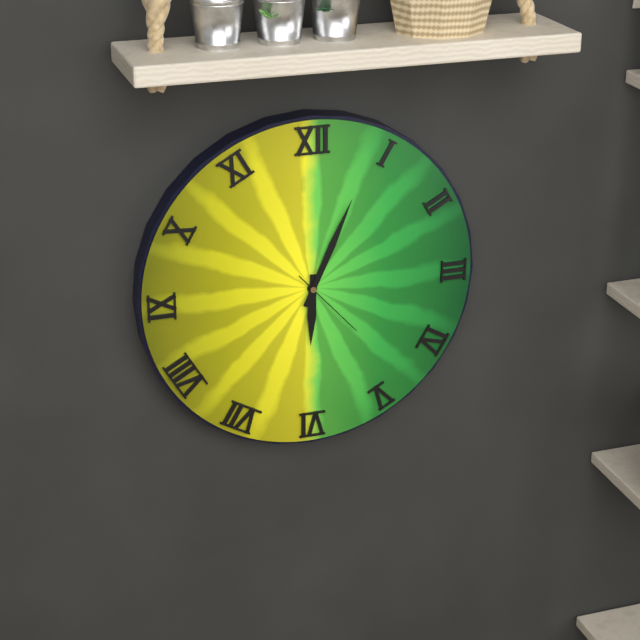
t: 6:04:23
